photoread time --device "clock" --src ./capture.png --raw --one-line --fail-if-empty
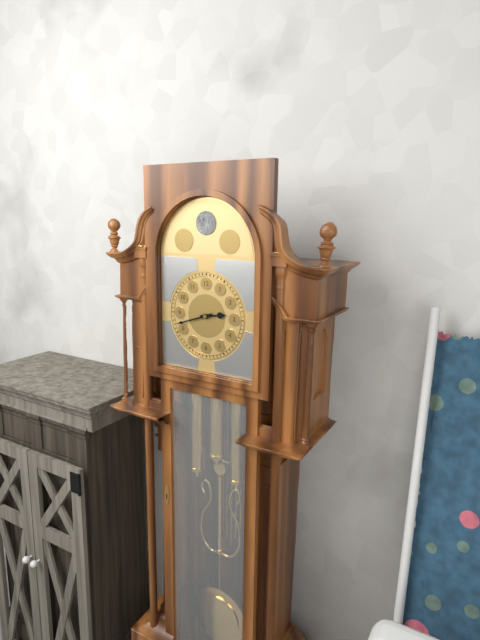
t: 2:42
